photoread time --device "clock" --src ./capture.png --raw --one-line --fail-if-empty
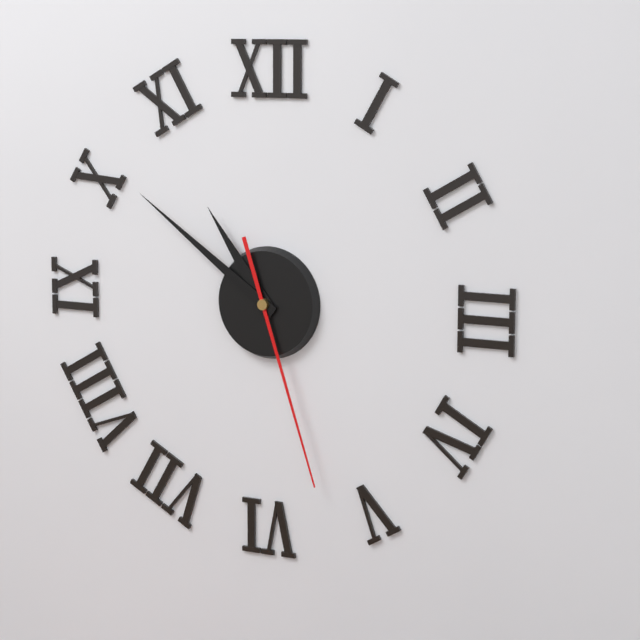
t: 10:51:27
